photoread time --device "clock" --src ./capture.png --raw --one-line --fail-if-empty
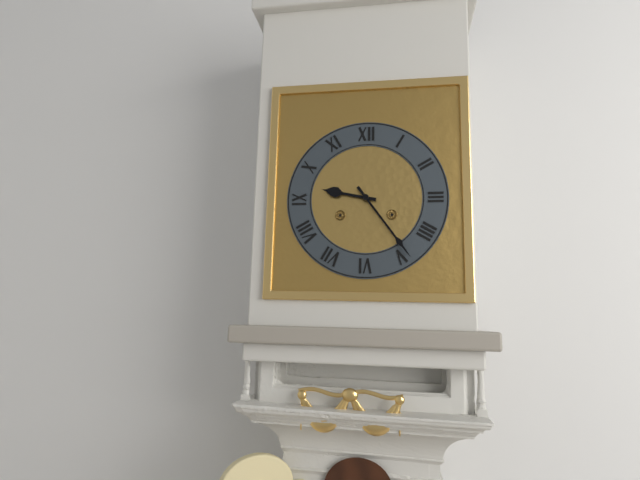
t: 9:24
